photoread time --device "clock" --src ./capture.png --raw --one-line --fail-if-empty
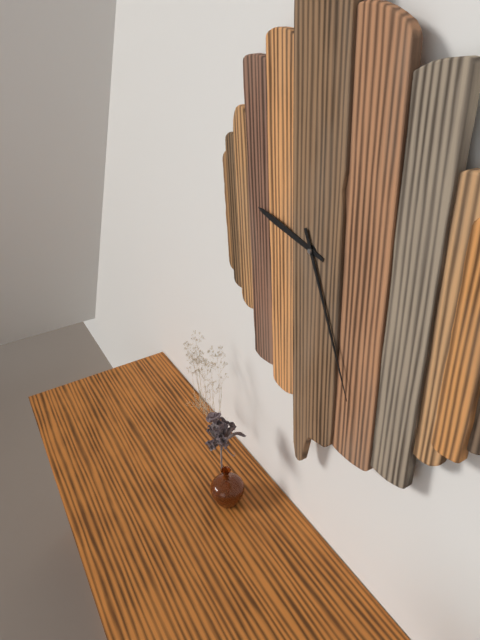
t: 9:26
